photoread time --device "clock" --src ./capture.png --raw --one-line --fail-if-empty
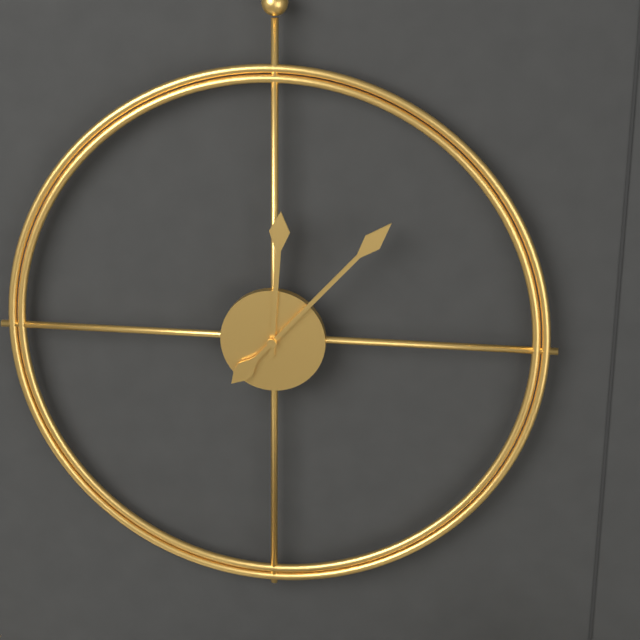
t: 12:07
